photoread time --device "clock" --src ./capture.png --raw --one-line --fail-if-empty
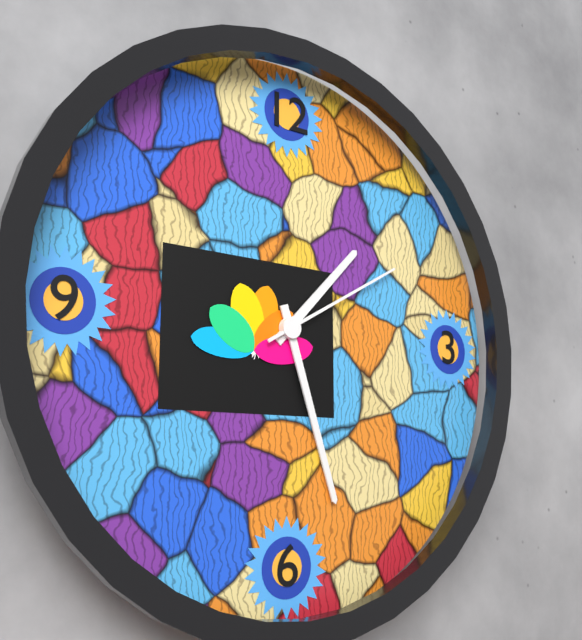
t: 1:27:10
